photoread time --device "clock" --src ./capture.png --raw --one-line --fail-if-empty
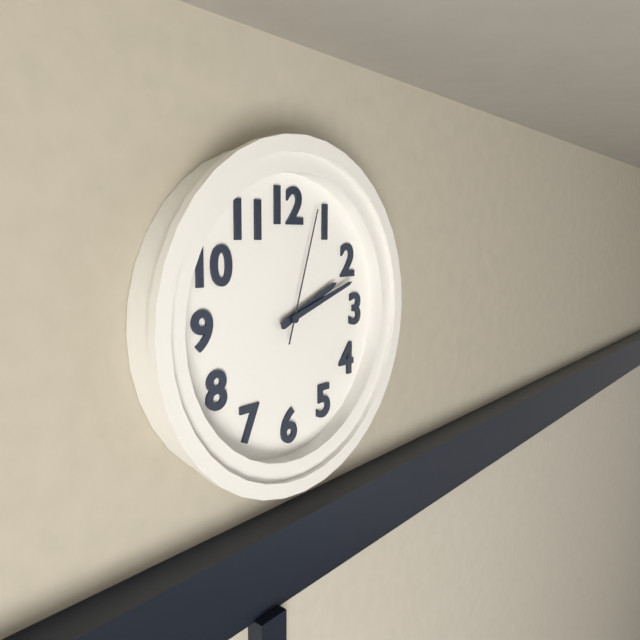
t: 2:12:03
